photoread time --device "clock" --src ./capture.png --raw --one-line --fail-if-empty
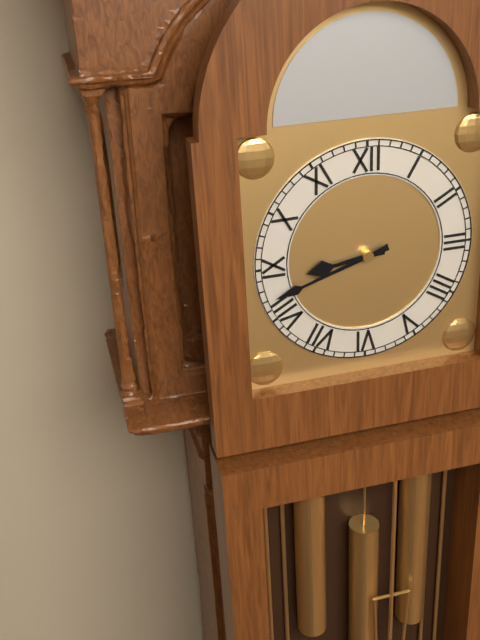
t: 8:42
